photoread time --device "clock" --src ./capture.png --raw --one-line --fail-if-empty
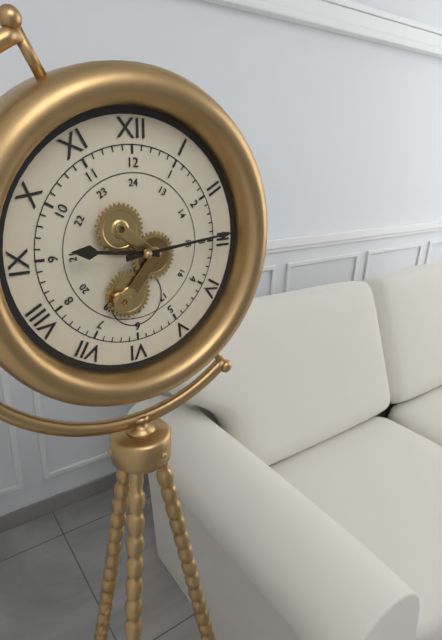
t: 9:14
